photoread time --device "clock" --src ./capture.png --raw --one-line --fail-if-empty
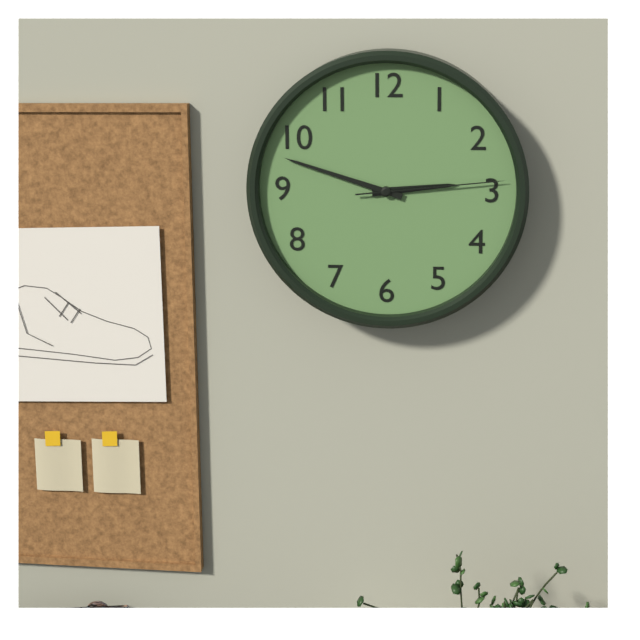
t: 2:48:14
